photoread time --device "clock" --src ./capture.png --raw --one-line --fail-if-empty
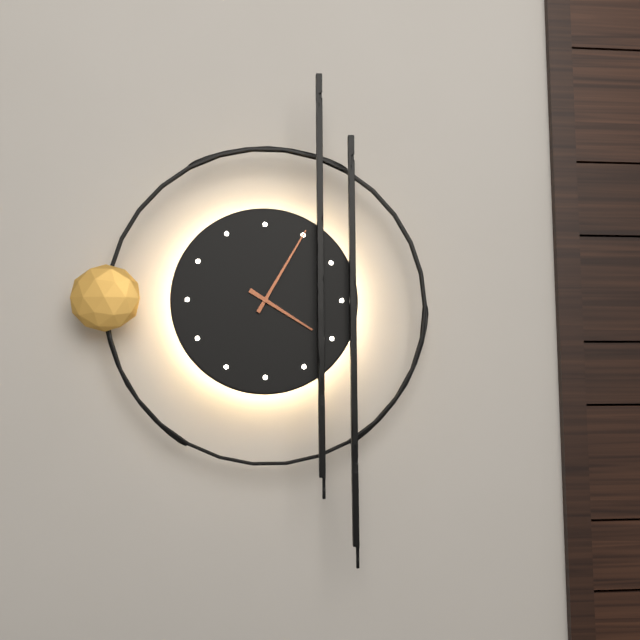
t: 4:05
